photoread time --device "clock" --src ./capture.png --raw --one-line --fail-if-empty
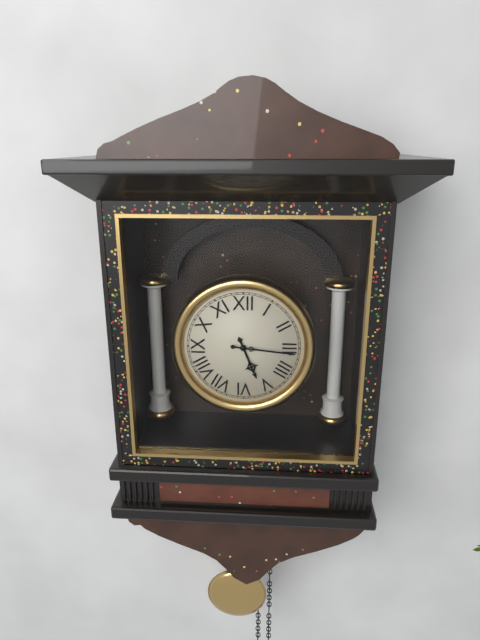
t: 5:16
